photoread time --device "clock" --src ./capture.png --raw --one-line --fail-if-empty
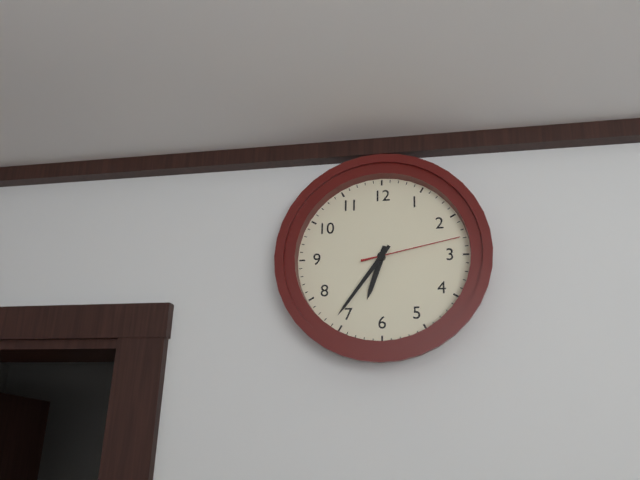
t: 6:36:13
